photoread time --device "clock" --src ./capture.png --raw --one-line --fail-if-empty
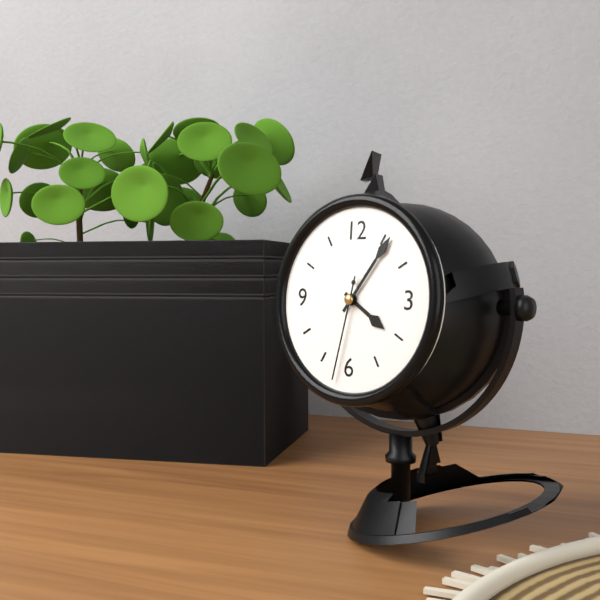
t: 4:06:32
